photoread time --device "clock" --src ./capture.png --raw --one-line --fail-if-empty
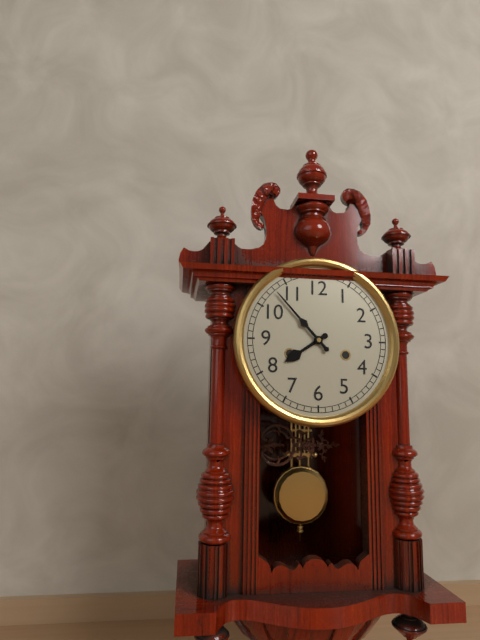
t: 7:53
